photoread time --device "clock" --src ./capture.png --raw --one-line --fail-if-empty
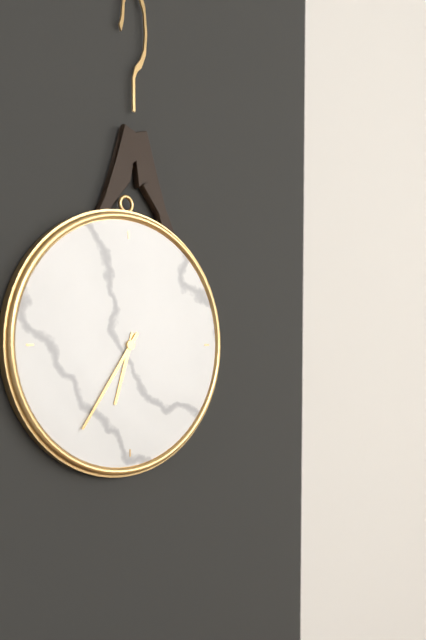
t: 6:36
